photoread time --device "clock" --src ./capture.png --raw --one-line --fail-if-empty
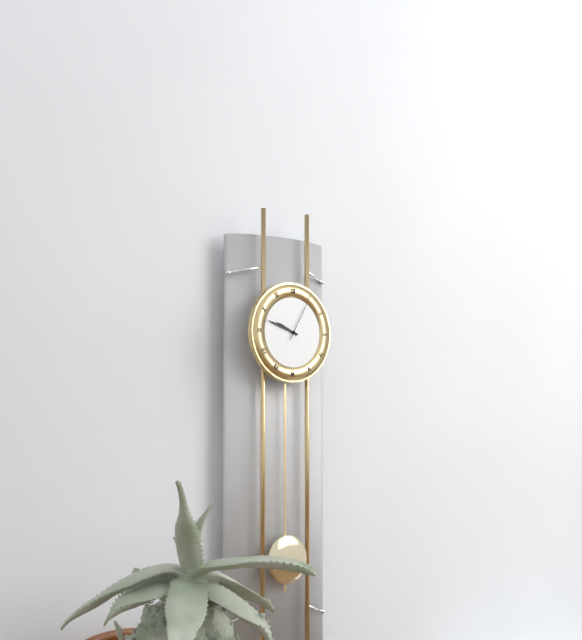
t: 9:48
